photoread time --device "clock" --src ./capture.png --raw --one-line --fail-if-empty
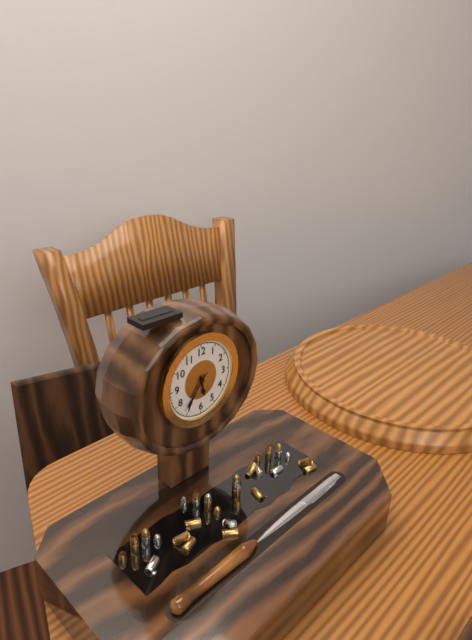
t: 5:36
